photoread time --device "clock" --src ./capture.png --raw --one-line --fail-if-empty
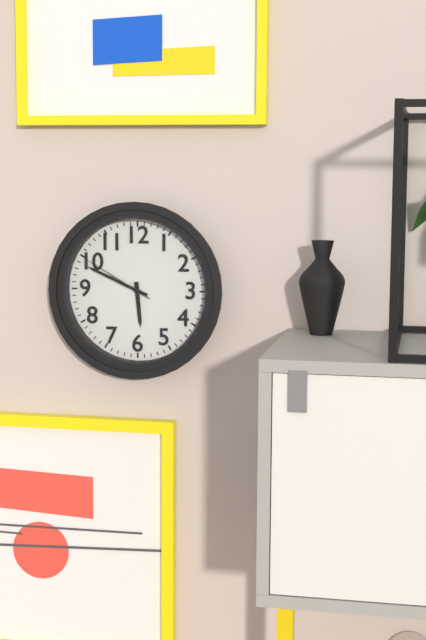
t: 5:49:50
